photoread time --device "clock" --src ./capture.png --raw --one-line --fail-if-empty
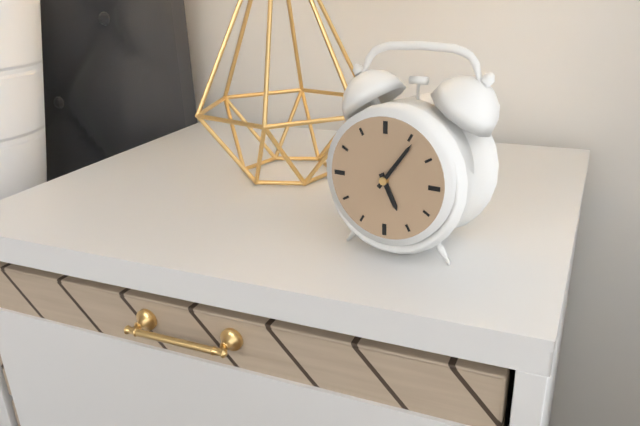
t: 5:06
